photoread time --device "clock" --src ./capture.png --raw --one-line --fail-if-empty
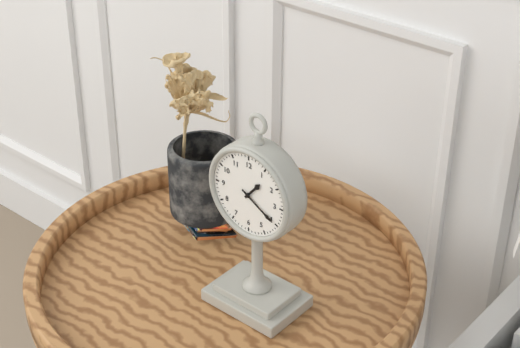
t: 1:20
